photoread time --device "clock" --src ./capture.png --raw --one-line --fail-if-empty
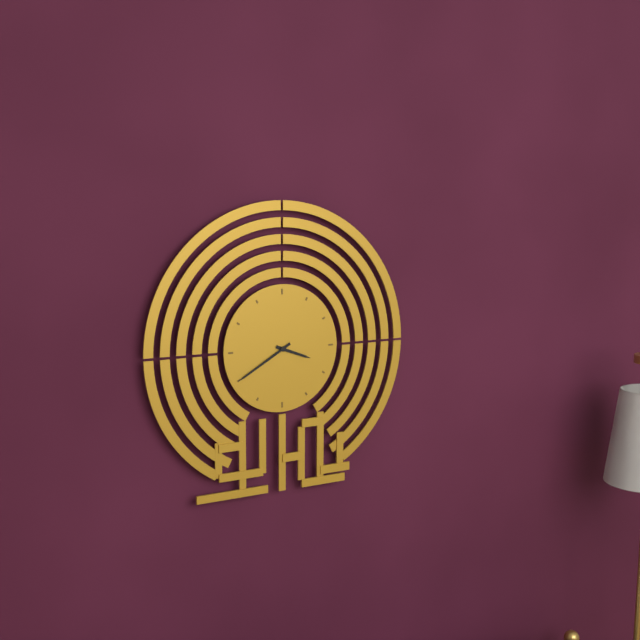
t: 3:40
